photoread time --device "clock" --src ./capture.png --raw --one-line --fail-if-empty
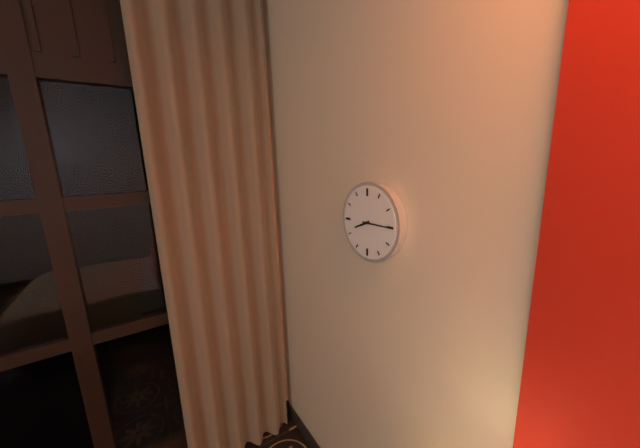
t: 8:15
